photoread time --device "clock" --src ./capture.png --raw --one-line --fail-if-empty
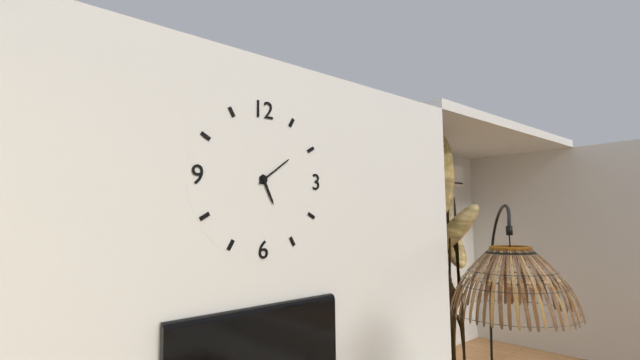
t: 5:09
